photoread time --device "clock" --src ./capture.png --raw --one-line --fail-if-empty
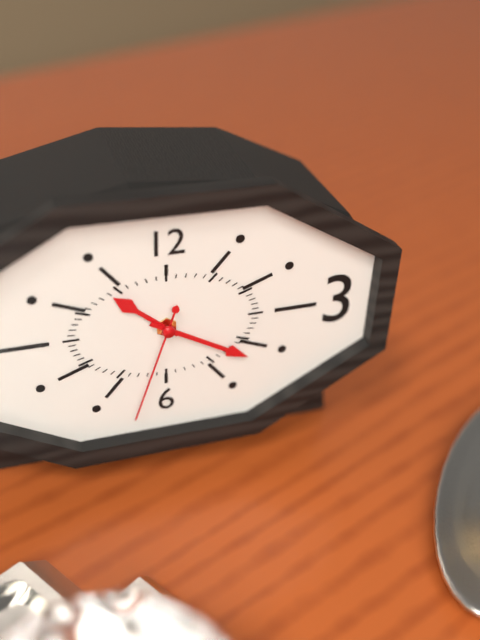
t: 10:20:33
